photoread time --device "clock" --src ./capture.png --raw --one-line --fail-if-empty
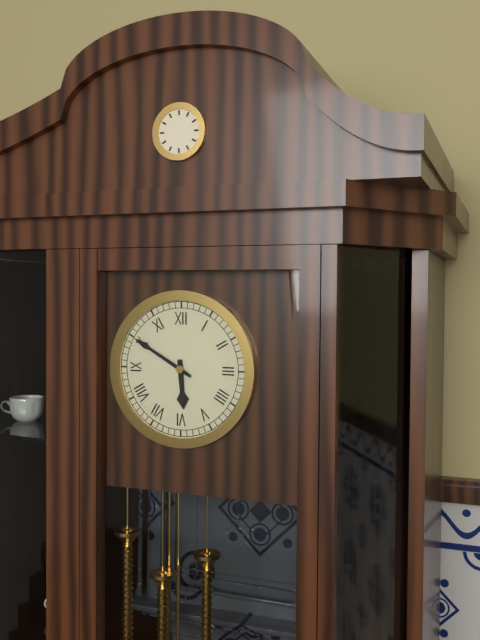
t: 5:50
